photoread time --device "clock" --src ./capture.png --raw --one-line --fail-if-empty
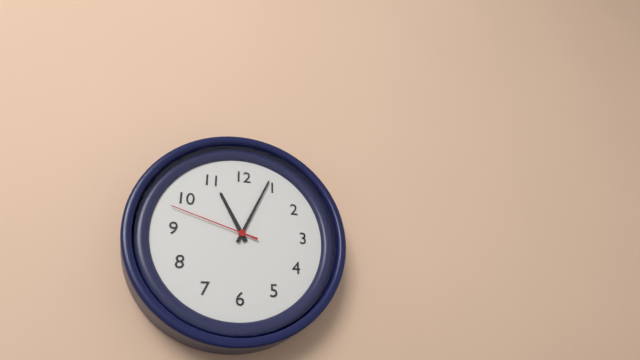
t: 11:04:48
